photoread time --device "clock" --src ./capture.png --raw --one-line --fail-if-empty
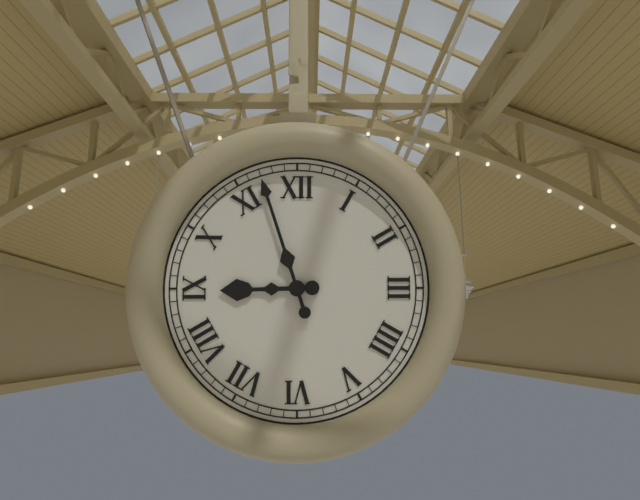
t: 8:57
